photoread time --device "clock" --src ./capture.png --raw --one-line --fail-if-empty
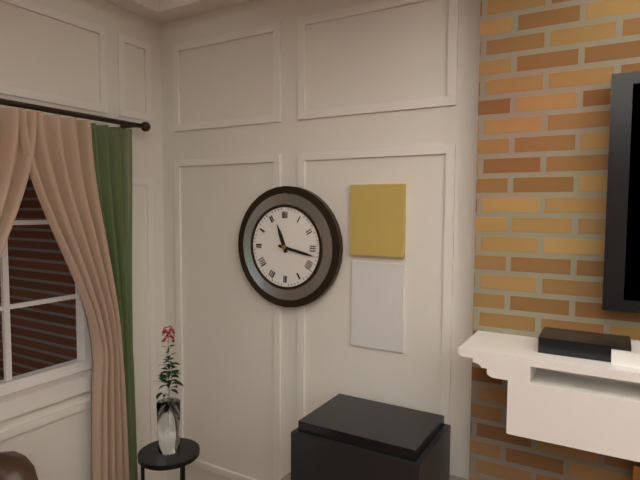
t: 11:17
